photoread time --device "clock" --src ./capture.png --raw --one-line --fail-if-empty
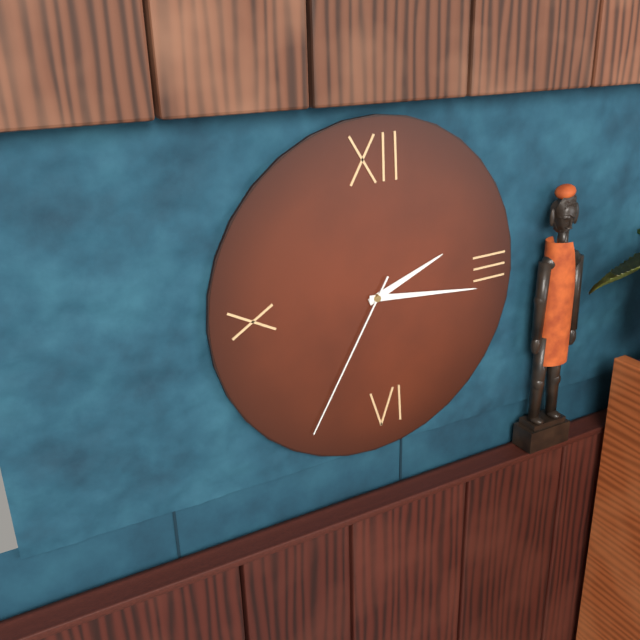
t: 2:16:35
